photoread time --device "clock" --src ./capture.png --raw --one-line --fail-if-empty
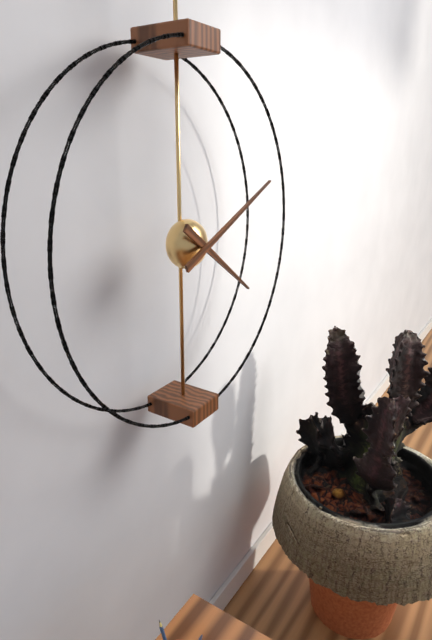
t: 4:11
